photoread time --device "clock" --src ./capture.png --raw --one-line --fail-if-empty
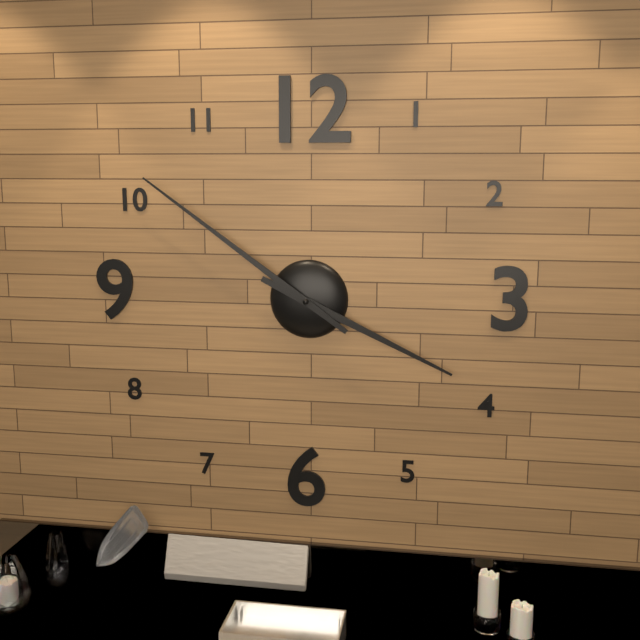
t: 3:51
